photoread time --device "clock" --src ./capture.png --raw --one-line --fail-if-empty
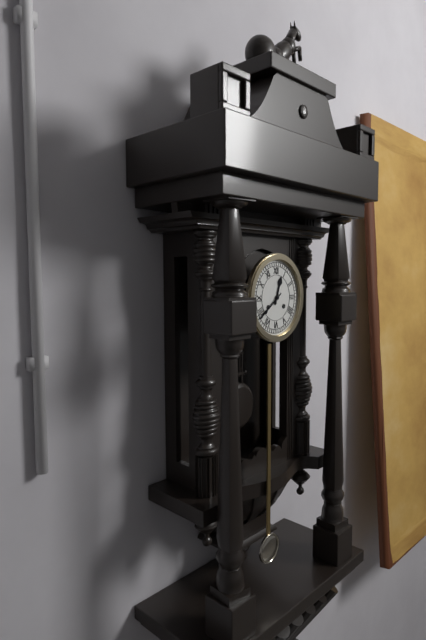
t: 12:39
